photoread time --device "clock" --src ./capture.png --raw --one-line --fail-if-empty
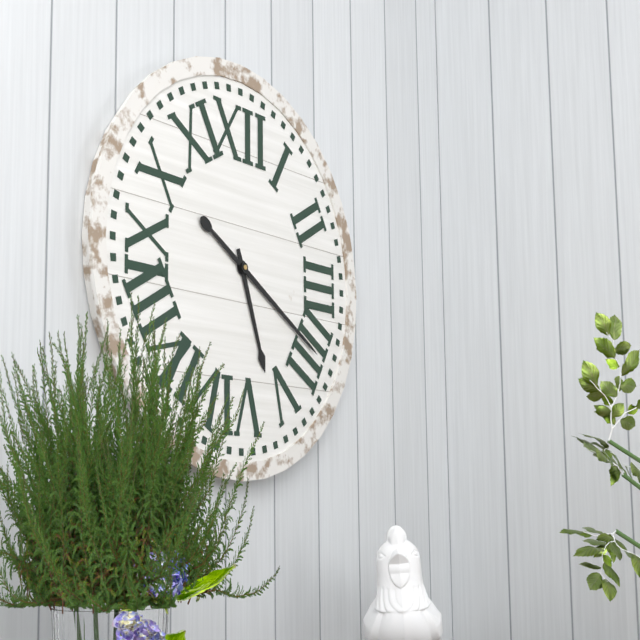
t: 5:20
